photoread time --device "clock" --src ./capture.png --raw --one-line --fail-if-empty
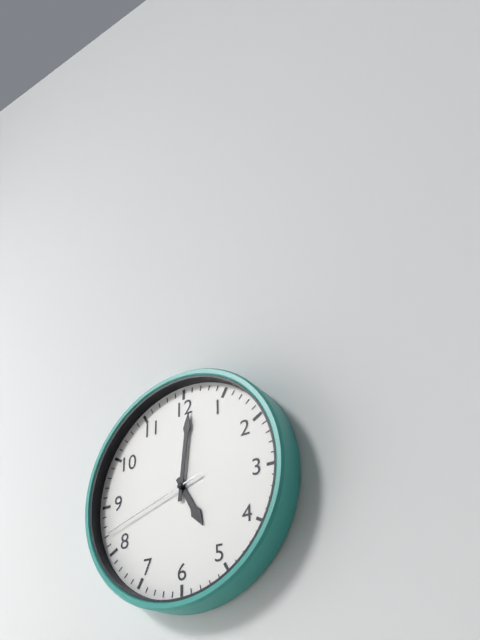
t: 5:01:42
